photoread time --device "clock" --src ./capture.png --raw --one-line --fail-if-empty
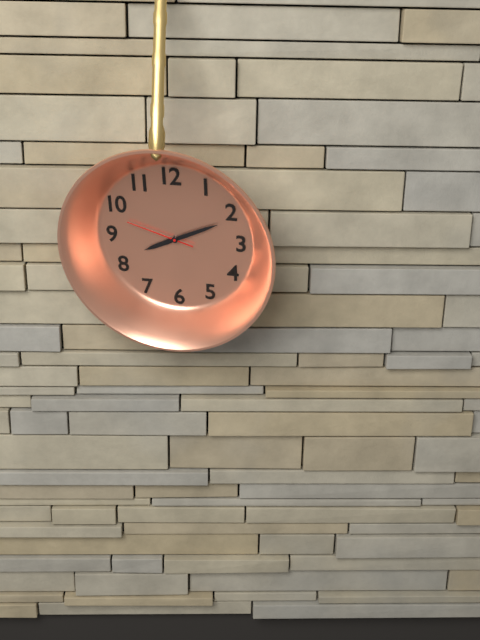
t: 8:11:48
